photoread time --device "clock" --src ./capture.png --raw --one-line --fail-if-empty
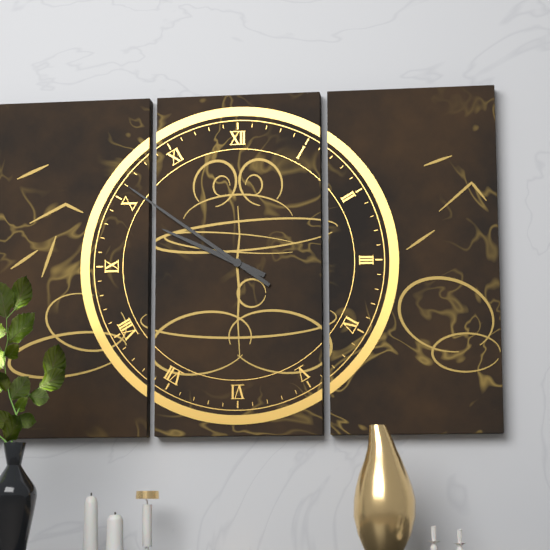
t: 9:51
